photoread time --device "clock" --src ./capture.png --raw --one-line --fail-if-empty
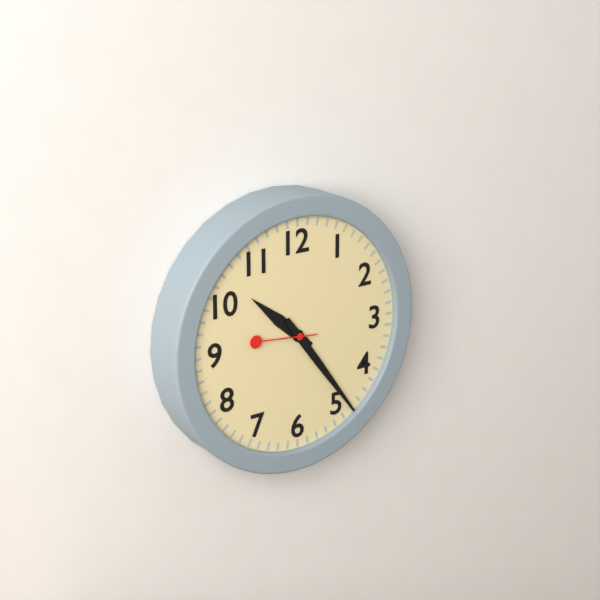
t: 10:24:46
